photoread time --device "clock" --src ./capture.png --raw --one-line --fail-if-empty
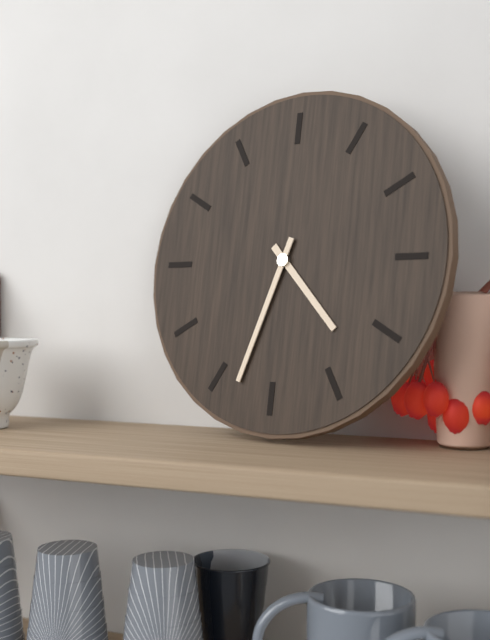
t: 4:33
